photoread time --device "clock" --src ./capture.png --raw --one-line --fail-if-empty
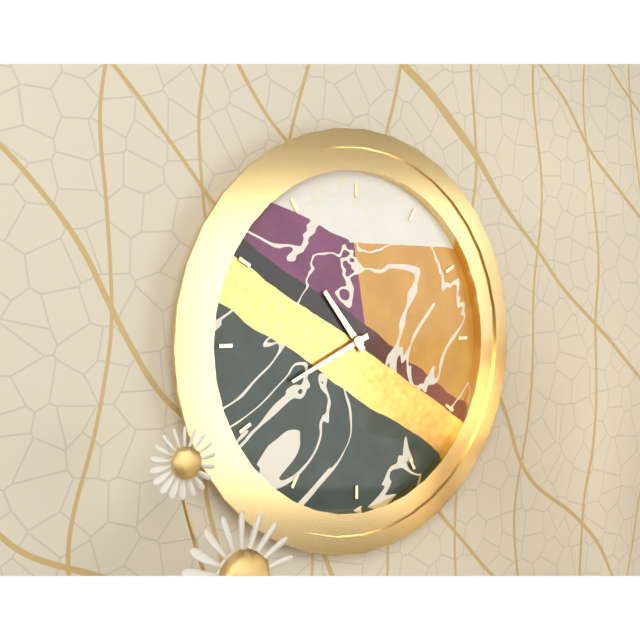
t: 10:41
